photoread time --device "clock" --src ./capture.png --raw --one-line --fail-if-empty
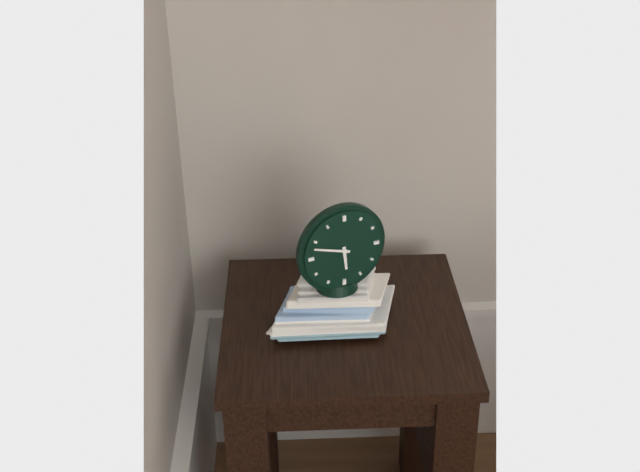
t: 5:48
